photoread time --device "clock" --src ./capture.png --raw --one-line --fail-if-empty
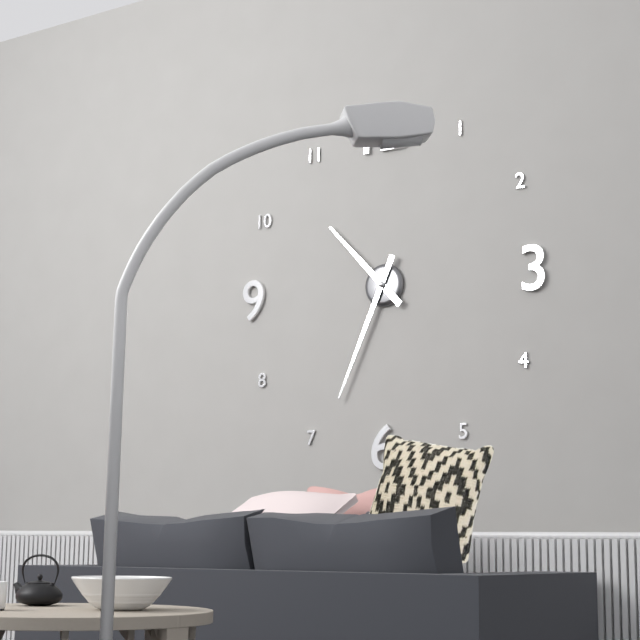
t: 10:34
